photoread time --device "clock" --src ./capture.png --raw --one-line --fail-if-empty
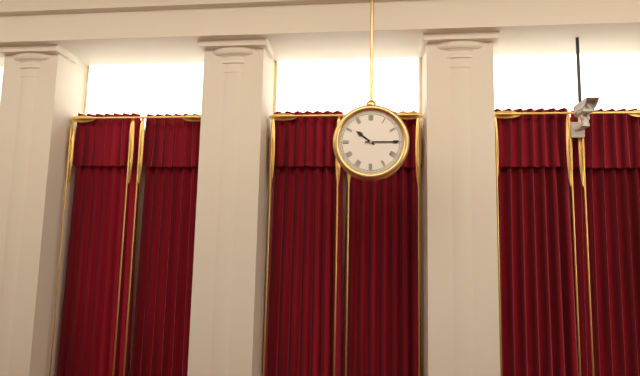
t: 10:15
